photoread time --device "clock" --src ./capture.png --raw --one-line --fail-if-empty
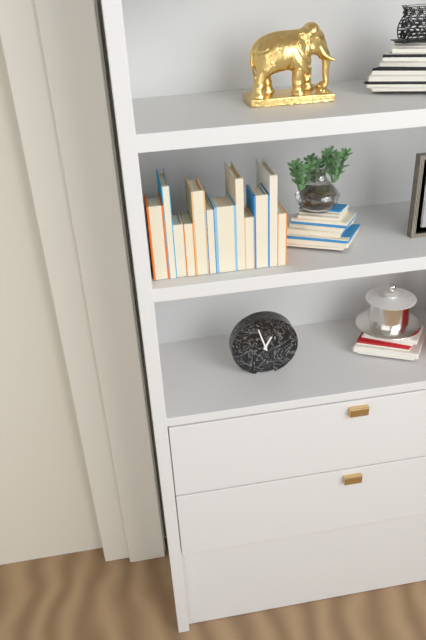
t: 12:57
